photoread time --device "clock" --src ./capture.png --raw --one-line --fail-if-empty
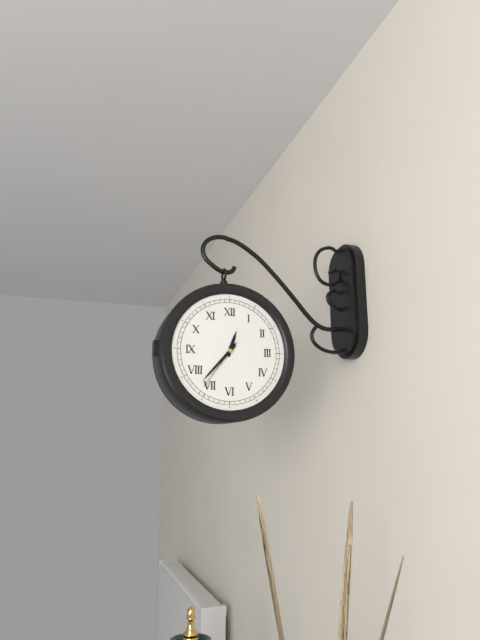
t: 12:37:36
